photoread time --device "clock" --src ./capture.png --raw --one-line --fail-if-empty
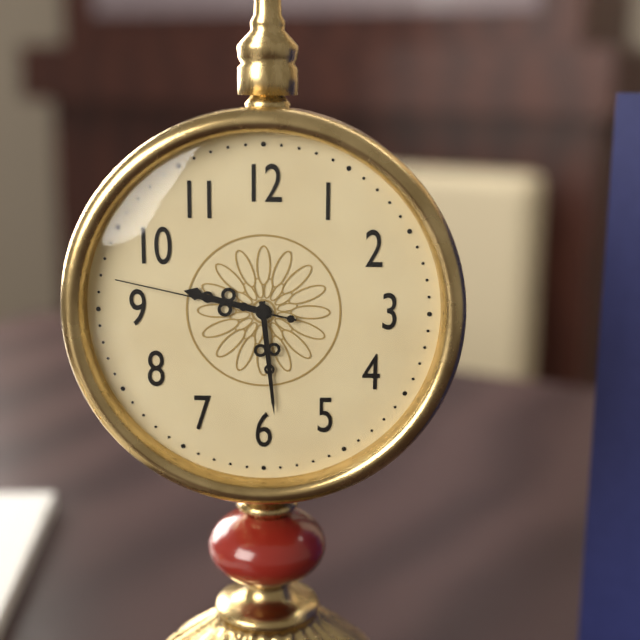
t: 9:29:47
